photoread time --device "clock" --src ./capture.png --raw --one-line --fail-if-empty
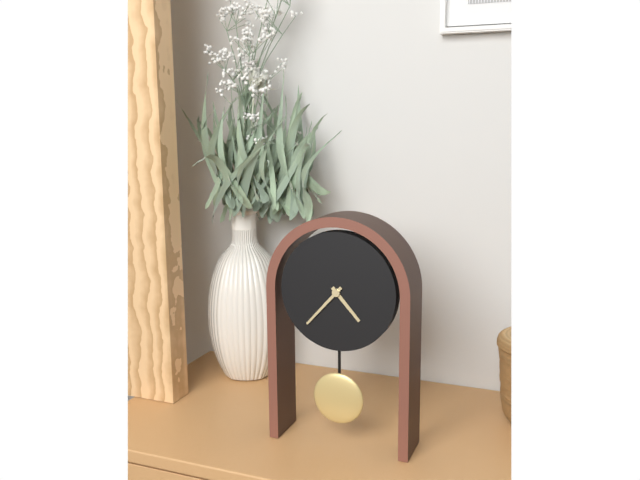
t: 4:37
